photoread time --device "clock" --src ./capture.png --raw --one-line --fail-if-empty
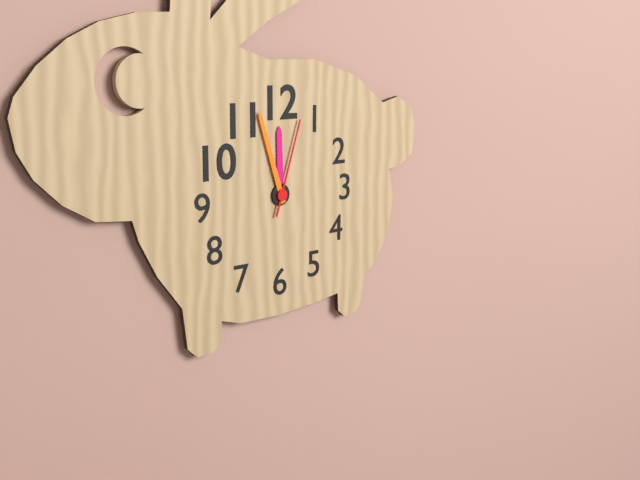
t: 11:57:03
